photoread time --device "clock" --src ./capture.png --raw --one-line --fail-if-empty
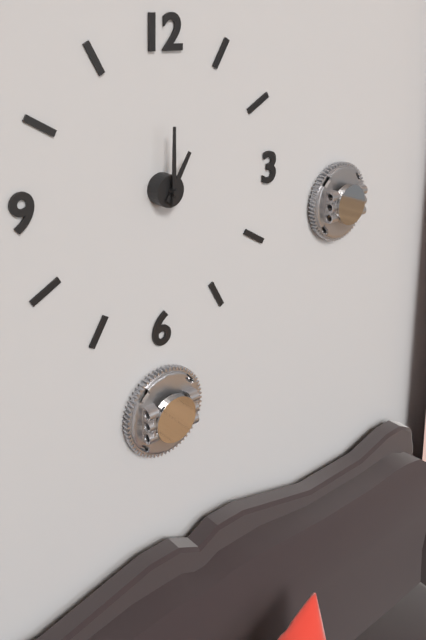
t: 1:00
